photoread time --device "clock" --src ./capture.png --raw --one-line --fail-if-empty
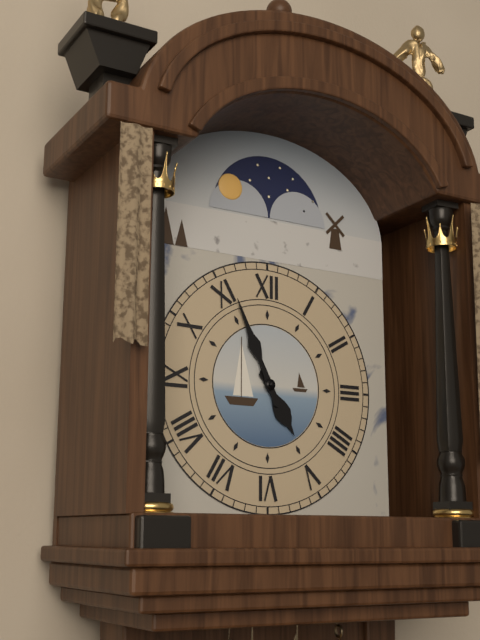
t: 4:56
